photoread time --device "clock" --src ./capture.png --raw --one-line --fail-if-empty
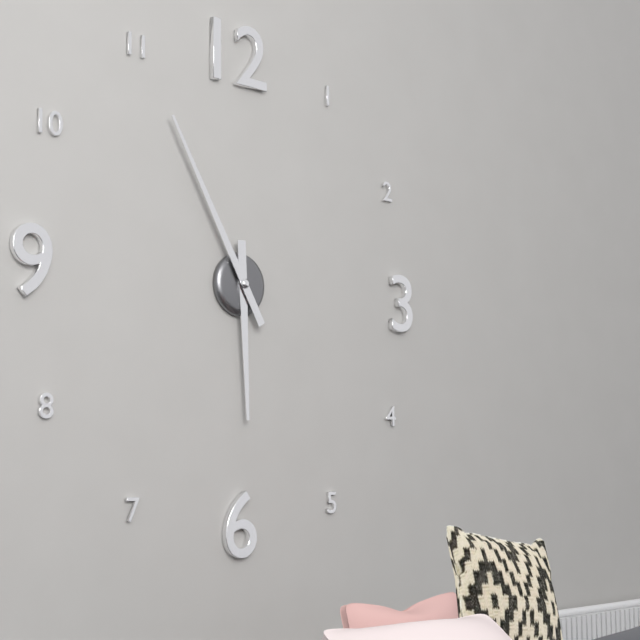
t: 5:55
